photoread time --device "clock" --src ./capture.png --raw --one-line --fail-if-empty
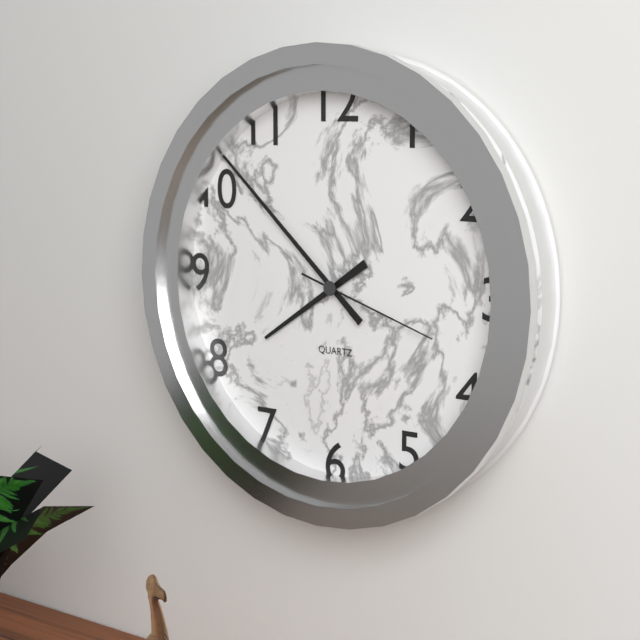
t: 7:52:18
